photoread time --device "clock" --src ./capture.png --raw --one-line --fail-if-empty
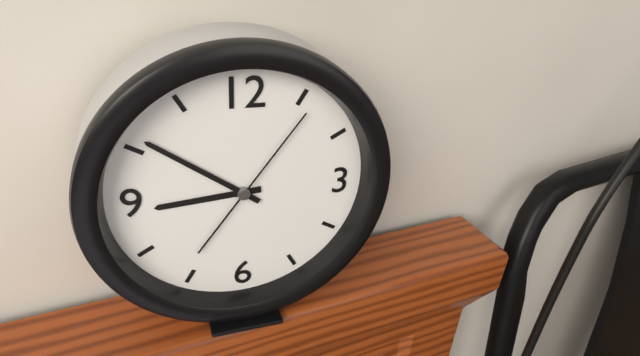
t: 8:51:06
